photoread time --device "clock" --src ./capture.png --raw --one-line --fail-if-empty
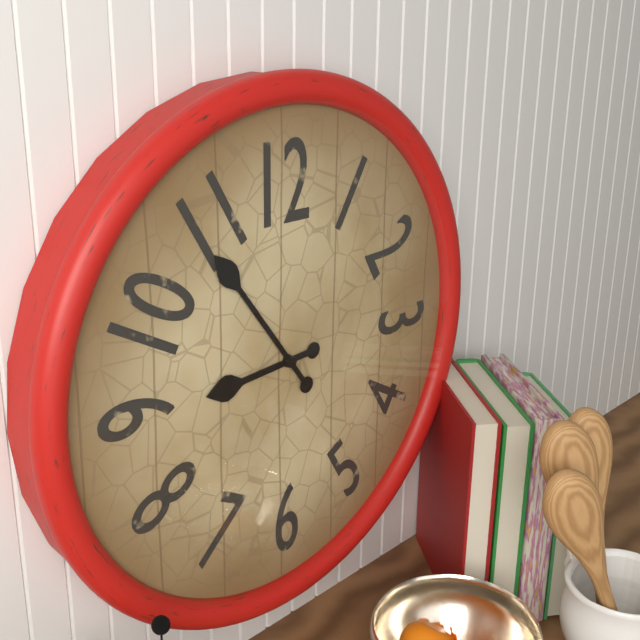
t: 8:54
